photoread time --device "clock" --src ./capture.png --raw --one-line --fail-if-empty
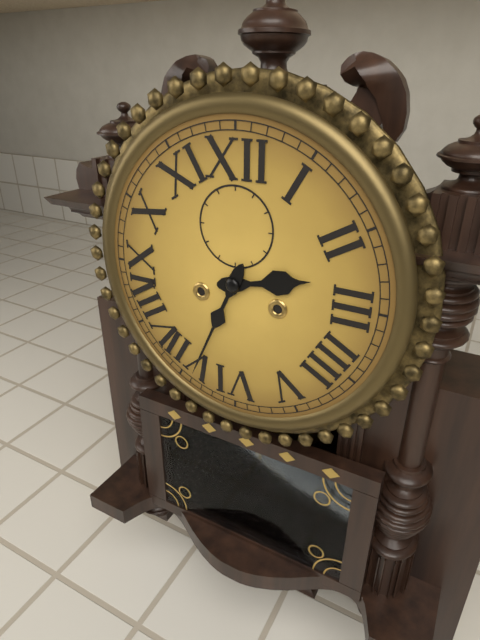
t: 2:34
